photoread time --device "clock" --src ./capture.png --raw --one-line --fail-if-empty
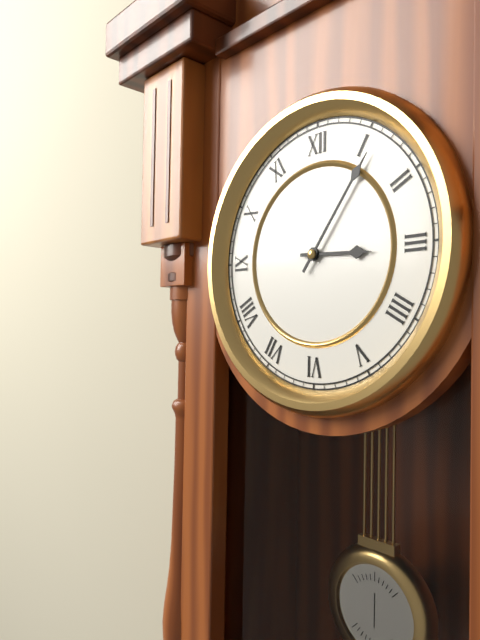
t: 3:06
